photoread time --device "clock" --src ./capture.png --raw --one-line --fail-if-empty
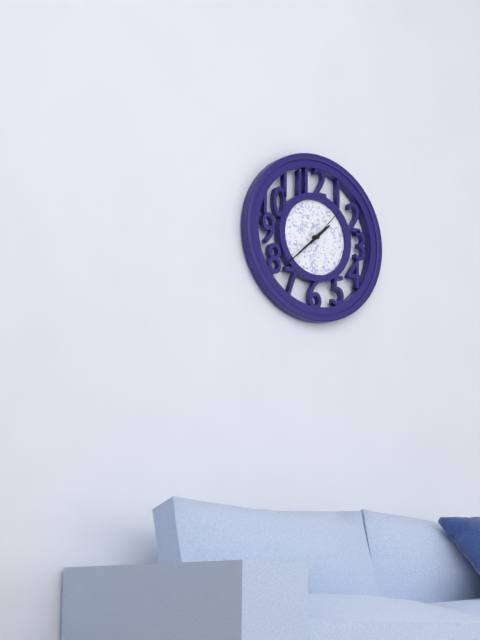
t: 1:38:07
